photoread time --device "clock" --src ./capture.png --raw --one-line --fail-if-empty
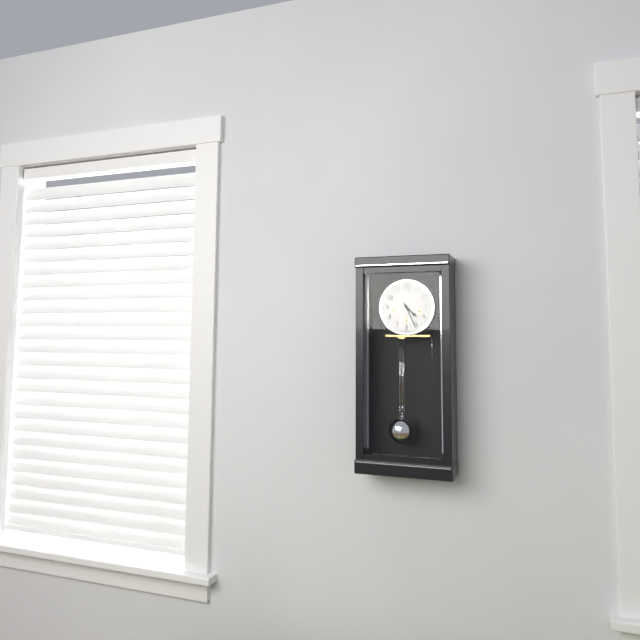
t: 4:26
